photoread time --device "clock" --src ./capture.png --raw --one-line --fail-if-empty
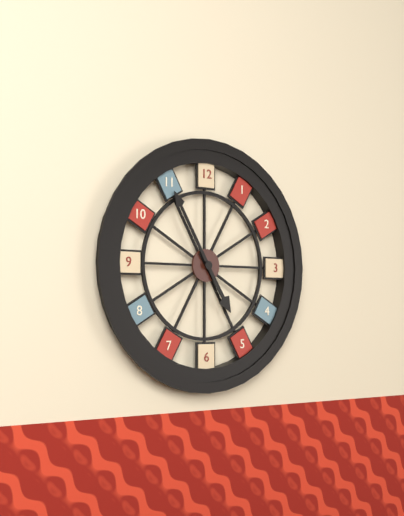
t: 4:55
